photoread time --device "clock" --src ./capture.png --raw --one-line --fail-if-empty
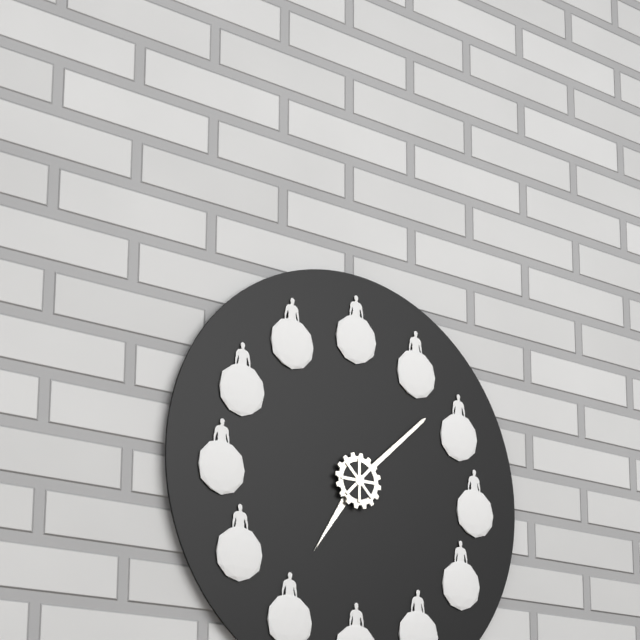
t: 7:08
